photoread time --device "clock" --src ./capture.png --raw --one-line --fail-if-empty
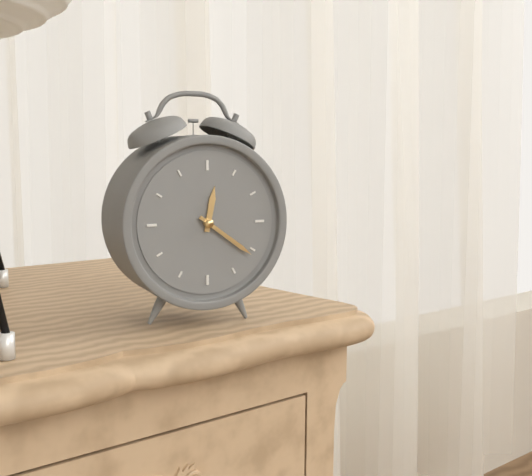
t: 12:21
